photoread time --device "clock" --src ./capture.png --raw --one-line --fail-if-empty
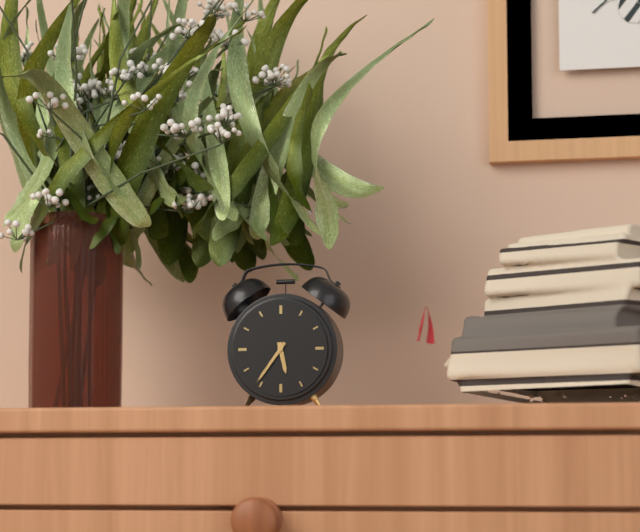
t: 5:36
